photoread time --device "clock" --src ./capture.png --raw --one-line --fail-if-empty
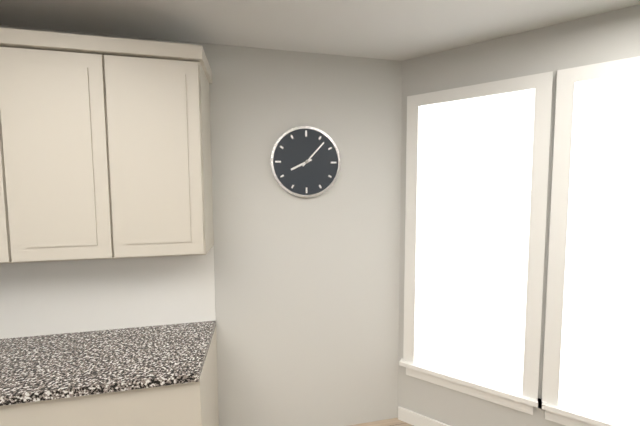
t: 8:07
